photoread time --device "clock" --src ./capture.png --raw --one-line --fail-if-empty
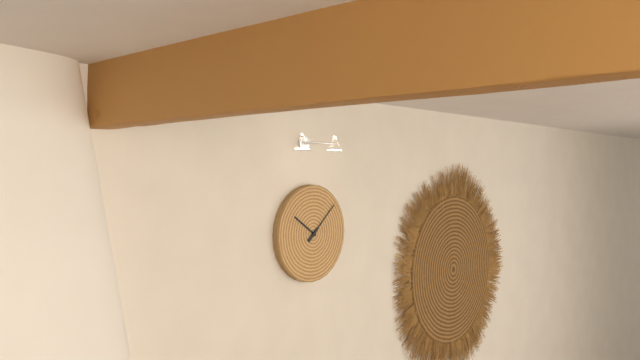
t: 10:08
